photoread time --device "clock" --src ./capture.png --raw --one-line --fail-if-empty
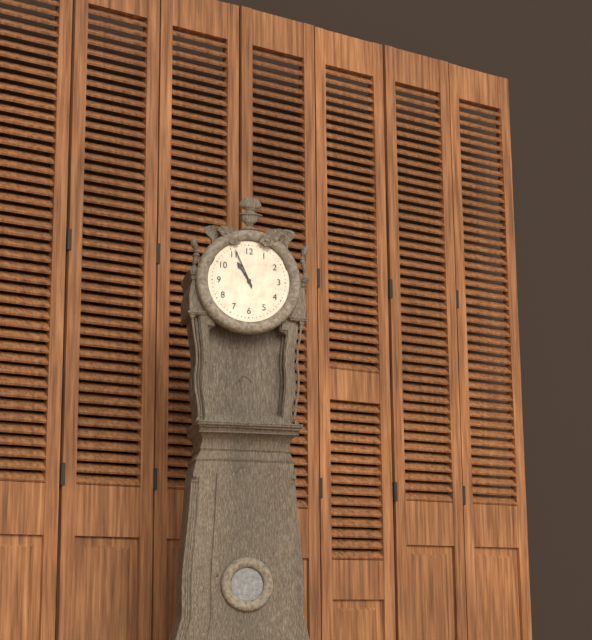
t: 10:56
